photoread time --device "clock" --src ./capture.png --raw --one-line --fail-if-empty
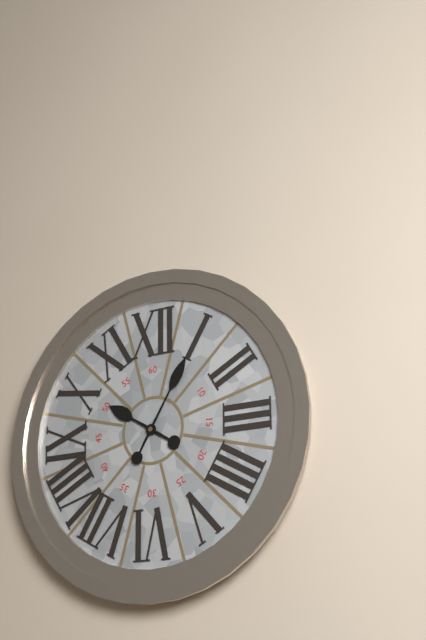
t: 10:05
